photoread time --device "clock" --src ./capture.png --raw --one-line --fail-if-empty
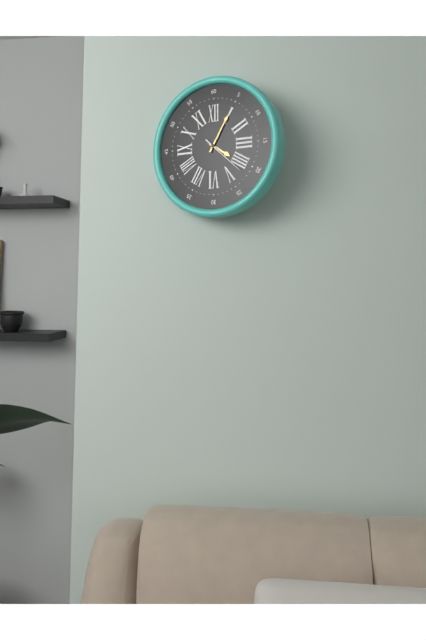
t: 4:05
